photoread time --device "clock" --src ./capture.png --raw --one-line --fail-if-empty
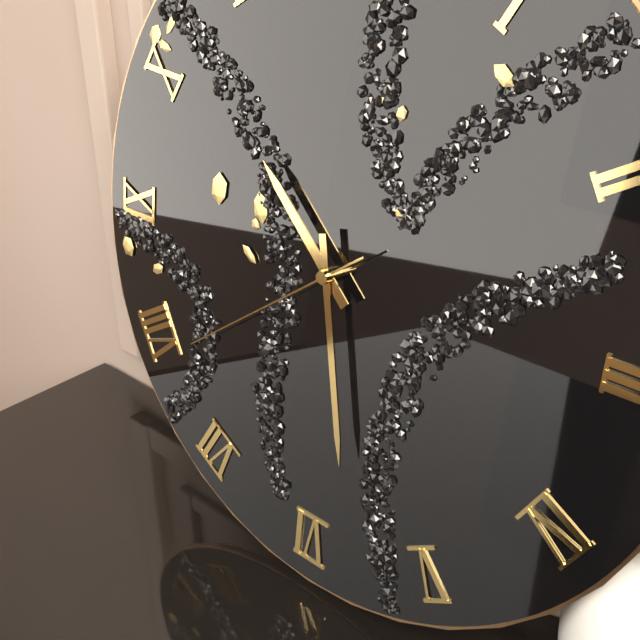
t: 10:28:39
